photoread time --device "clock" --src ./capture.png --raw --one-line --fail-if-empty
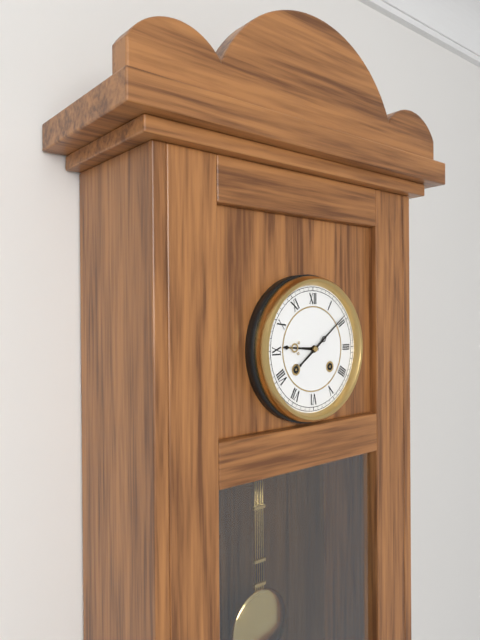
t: 9:09
